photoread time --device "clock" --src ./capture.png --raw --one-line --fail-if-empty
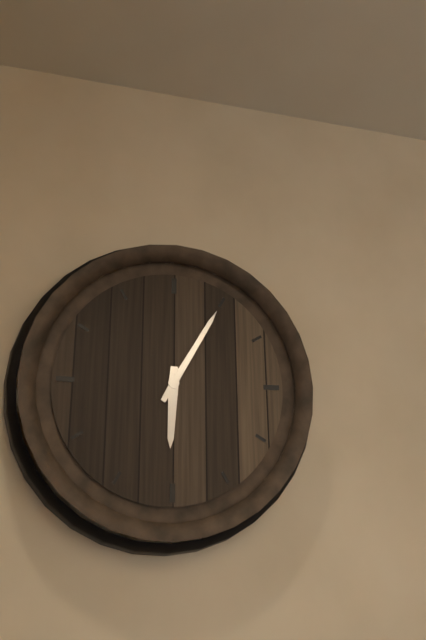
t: 6:05
